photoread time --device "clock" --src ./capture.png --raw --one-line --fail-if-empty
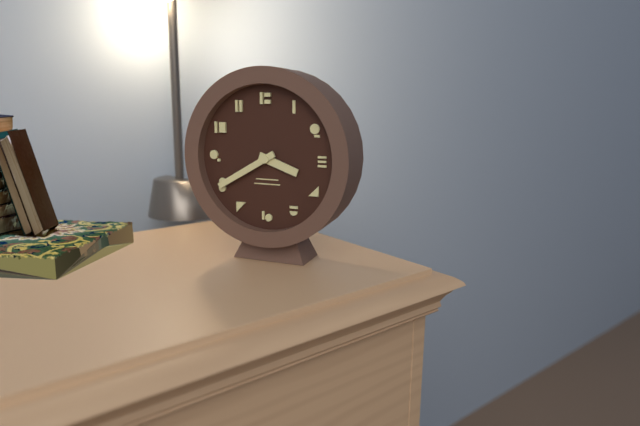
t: 3:40
